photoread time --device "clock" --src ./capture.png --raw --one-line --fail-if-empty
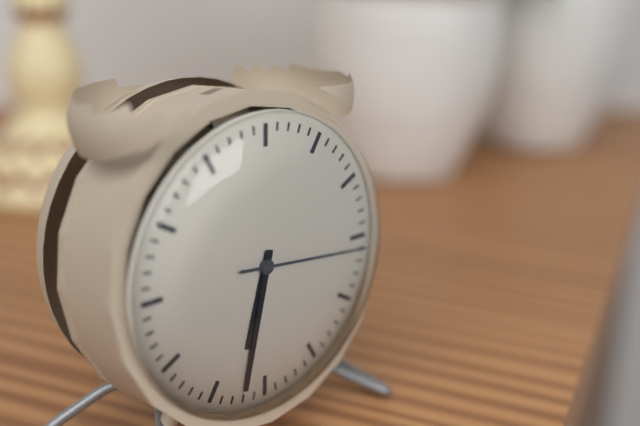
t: 6:32:16
